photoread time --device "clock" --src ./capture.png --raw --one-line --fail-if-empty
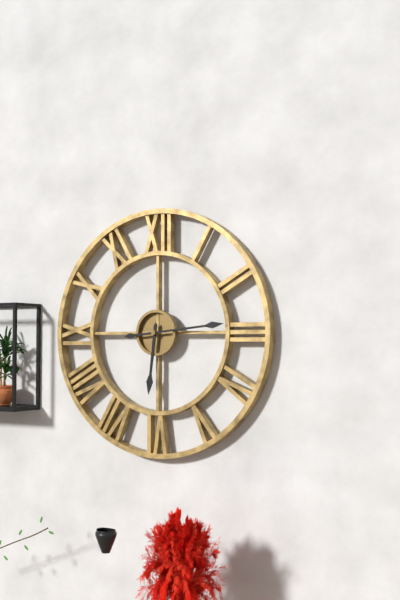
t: 6:14
